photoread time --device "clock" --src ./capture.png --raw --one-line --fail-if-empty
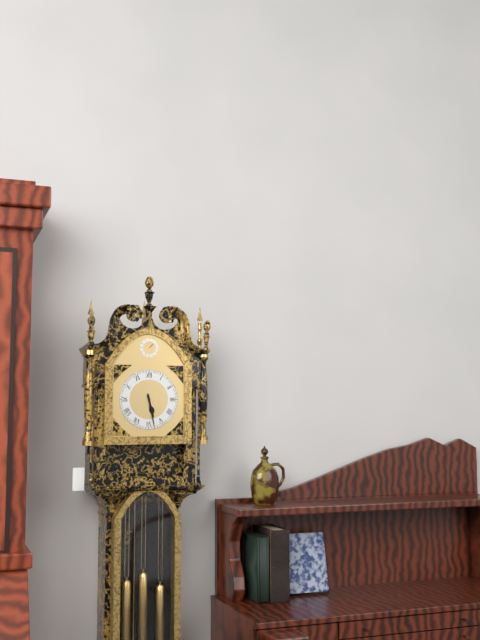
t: 5:28
